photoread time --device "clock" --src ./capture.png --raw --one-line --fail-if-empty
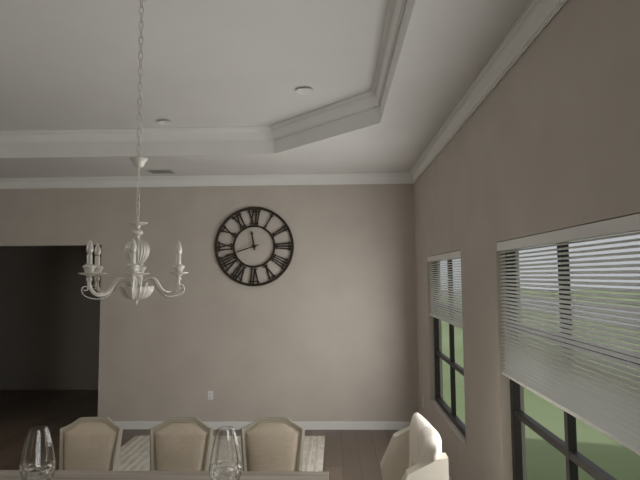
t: 11:42
